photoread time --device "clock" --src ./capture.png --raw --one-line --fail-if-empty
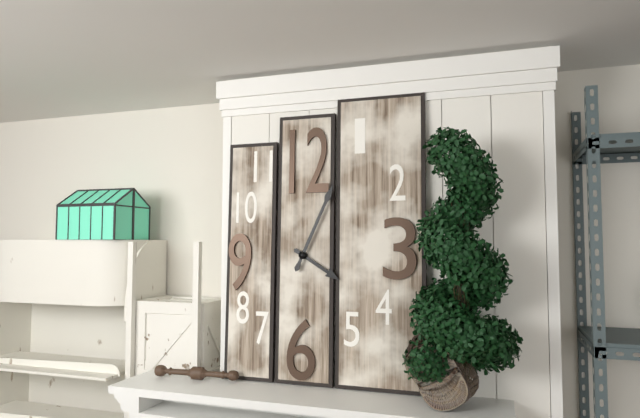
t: 4:04
